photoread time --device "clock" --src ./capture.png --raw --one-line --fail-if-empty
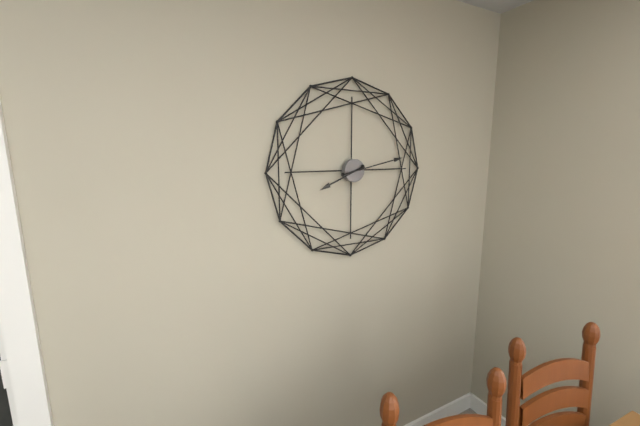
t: 8:13
